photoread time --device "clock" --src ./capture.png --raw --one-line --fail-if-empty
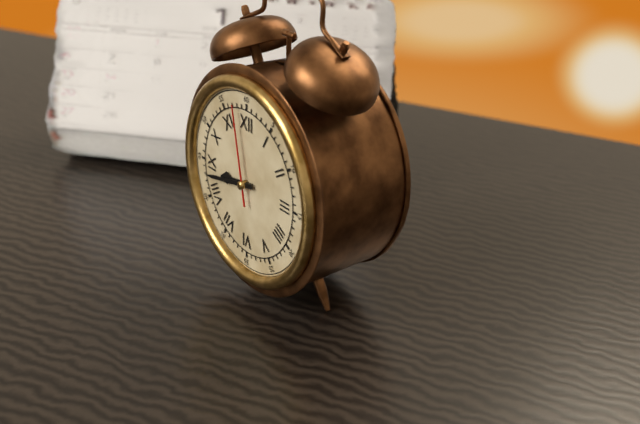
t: 8:43:58
